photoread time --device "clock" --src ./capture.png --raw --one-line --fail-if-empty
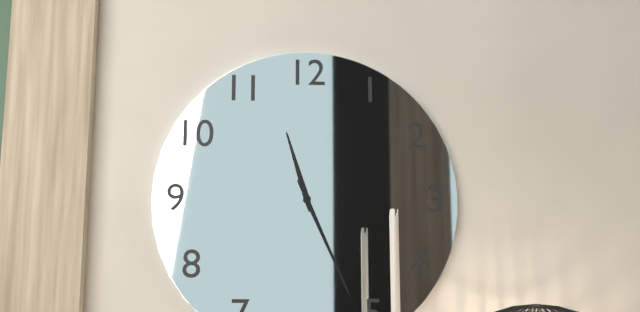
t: 11:26
